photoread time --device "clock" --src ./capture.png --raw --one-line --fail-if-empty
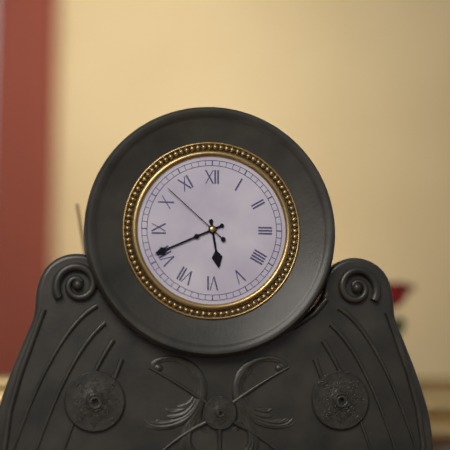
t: 5:41:52
